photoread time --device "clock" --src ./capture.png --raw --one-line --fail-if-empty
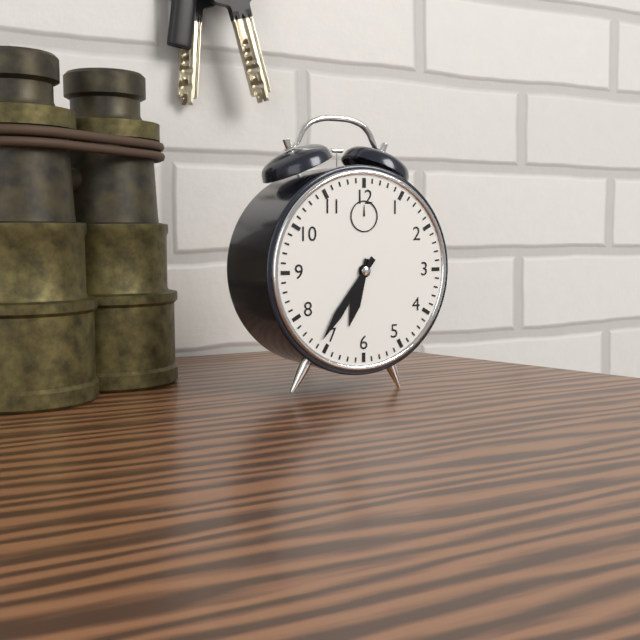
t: 6:36
